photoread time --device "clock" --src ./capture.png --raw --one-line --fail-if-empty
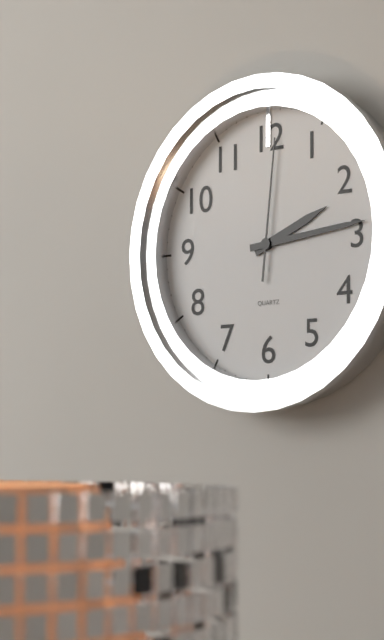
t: 2:14:01
